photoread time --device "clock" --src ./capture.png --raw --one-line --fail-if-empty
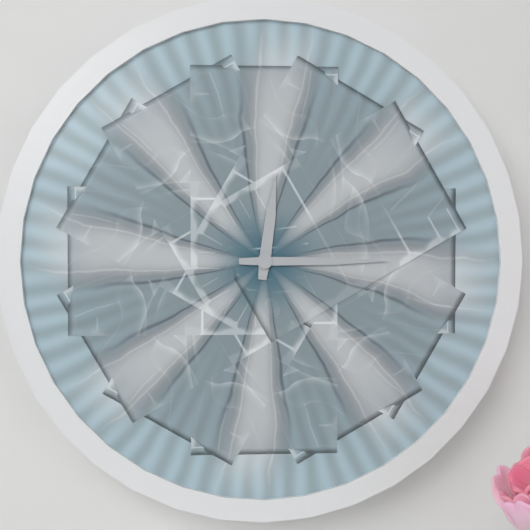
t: 12:15
